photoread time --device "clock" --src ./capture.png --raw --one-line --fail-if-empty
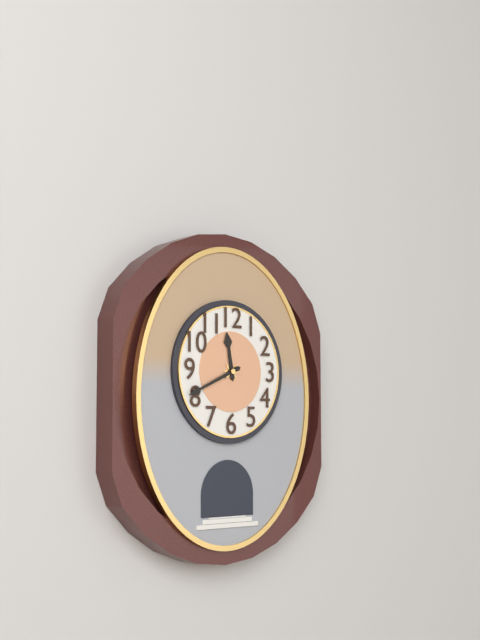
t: 11:41
